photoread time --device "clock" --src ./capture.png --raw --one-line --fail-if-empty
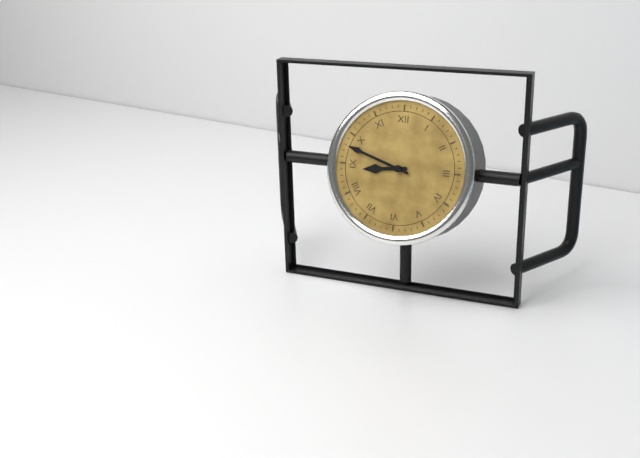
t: 8:48
